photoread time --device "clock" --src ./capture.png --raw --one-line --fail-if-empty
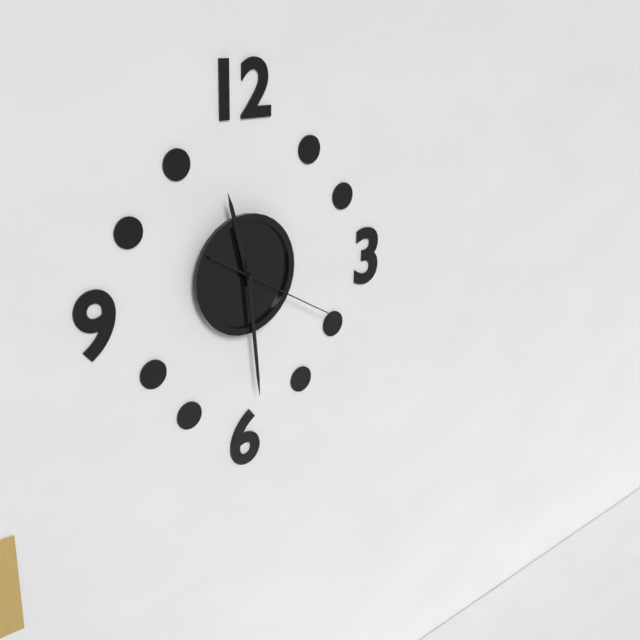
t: 11:29:20
